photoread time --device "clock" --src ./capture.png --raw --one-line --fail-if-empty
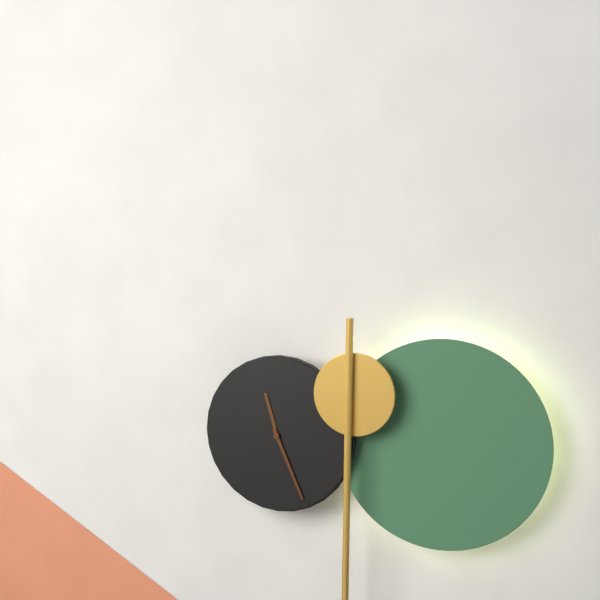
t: 11:26
